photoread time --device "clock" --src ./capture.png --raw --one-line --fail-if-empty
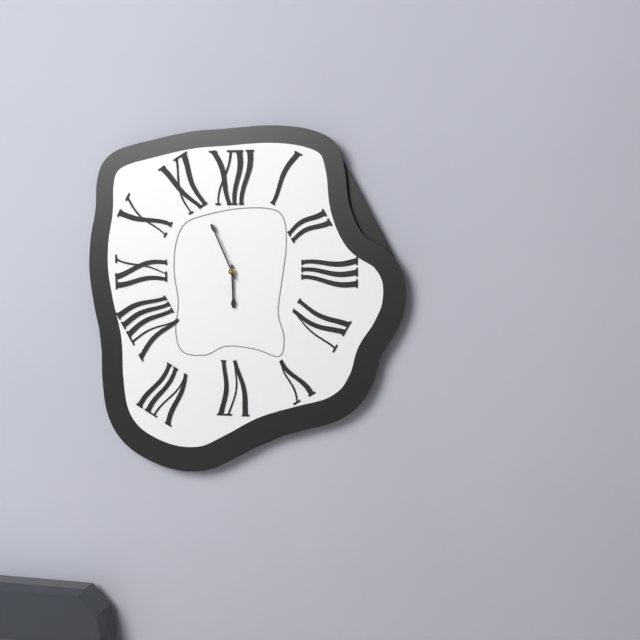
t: 5:56
